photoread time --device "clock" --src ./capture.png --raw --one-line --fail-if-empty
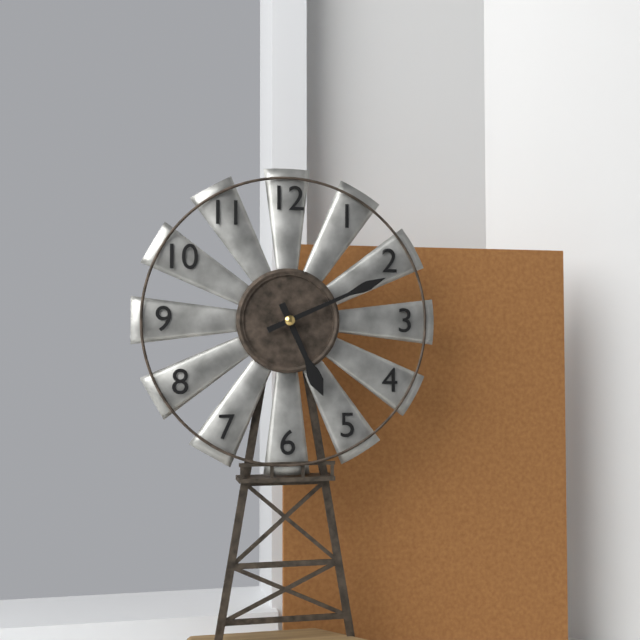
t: 5:11
